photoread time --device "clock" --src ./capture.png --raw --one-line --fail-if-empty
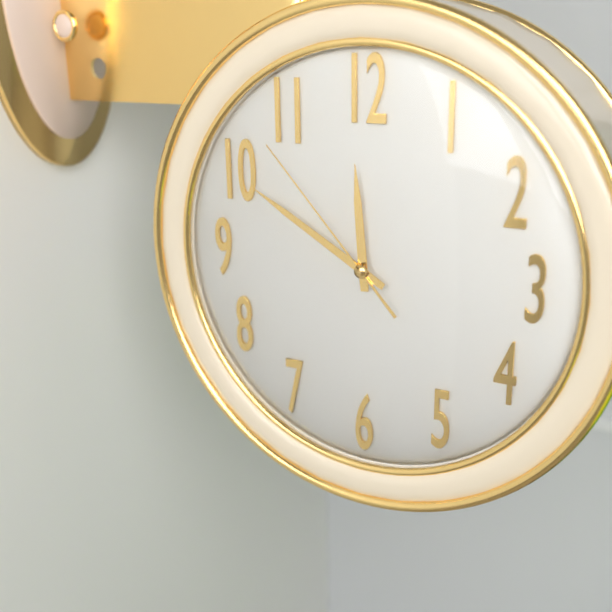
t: 11:50:53
